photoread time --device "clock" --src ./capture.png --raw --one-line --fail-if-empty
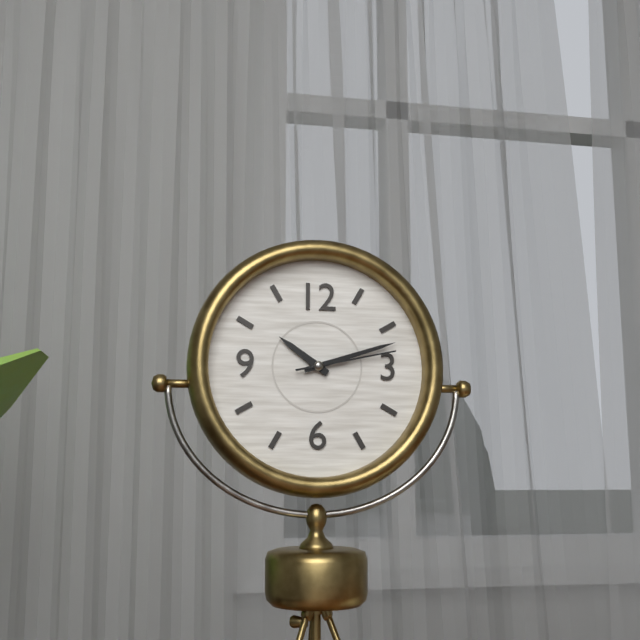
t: 10:12:13
